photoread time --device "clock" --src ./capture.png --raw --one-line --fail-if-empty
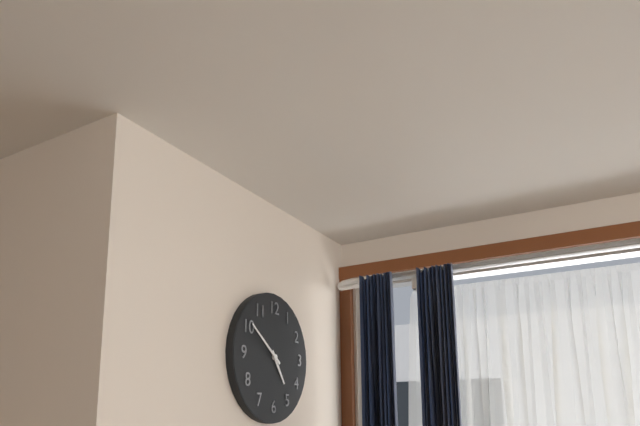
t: 4:51
